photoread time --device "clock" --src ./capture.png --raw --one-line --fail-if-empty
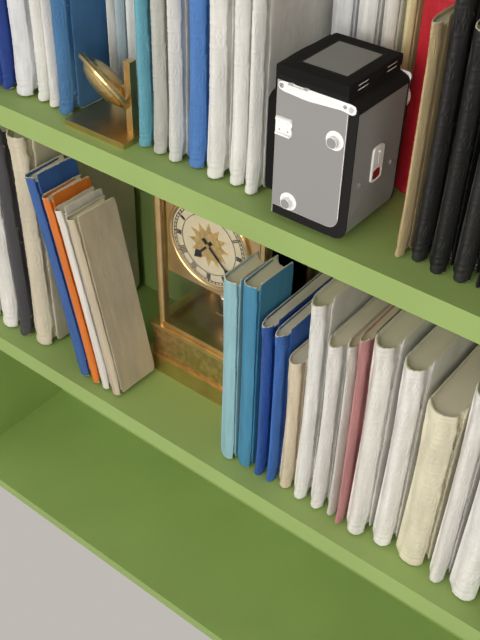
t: 7:22
